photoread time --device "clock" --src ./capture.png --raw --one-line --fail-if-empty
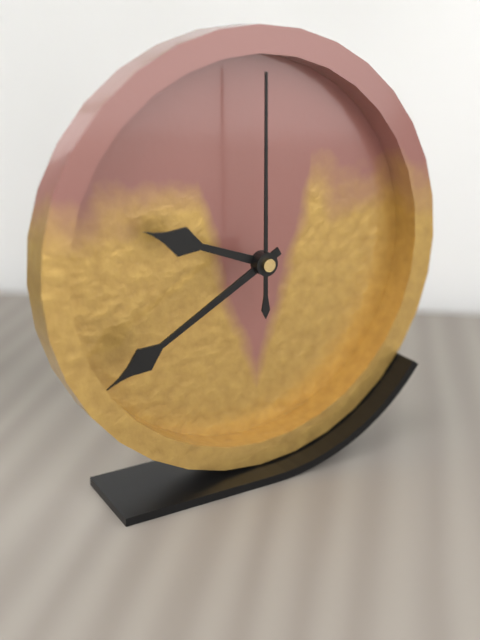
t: 9:40:00
